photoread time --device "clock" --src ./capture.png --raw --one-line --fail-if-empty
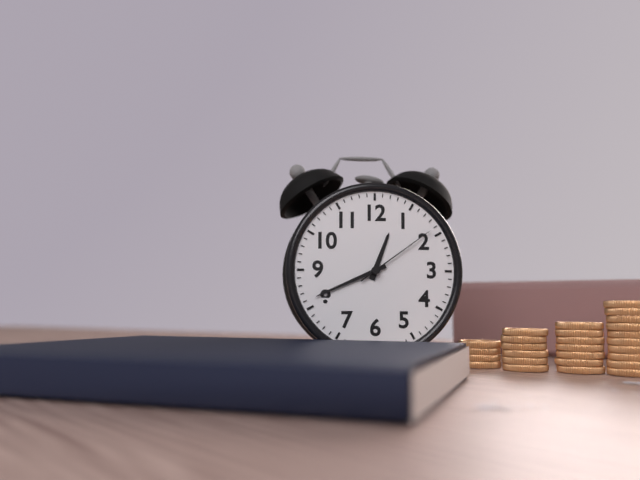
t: 12:41:09
